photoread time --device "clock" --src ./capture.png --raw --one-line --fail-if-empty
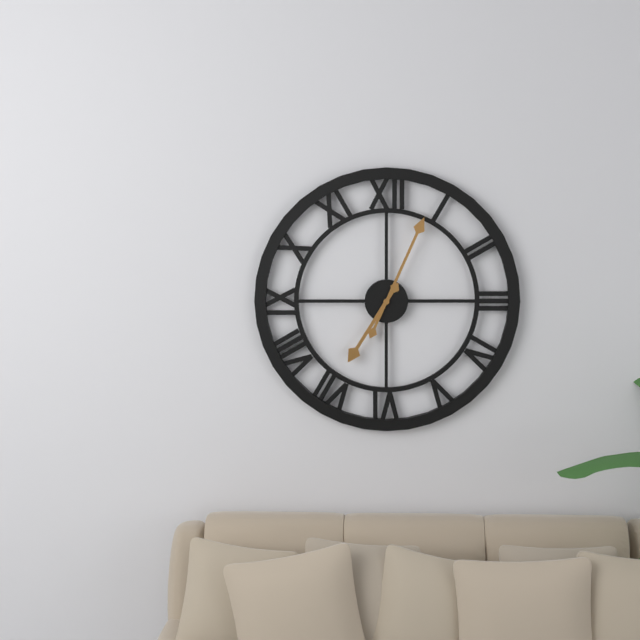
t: 7:04
